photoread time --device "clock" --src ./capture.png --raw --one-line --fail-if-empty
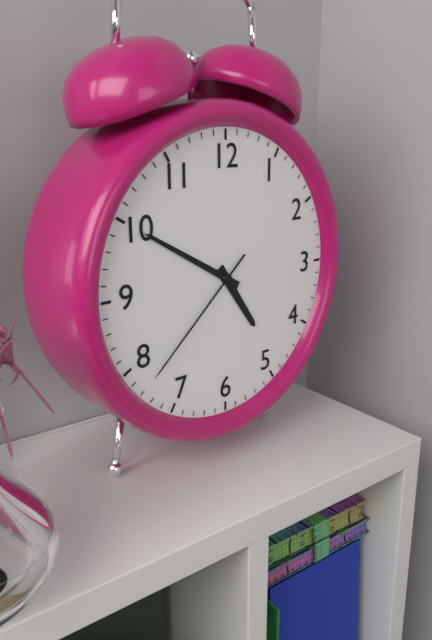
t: 4:50:38
